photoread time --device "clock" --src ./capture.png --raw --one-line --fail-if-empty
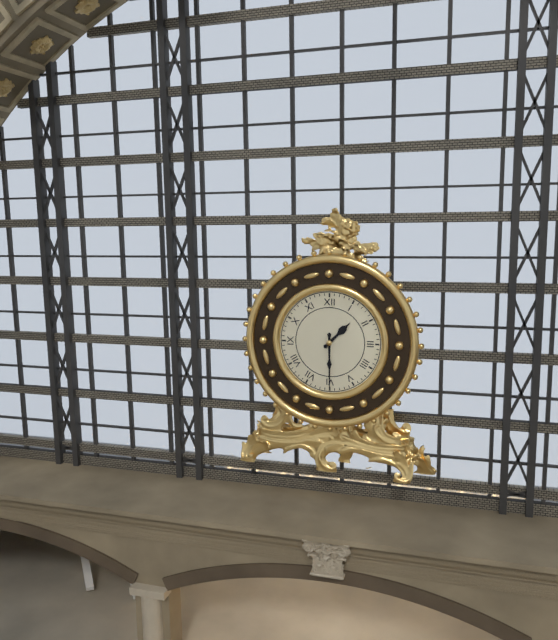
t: 1:30
